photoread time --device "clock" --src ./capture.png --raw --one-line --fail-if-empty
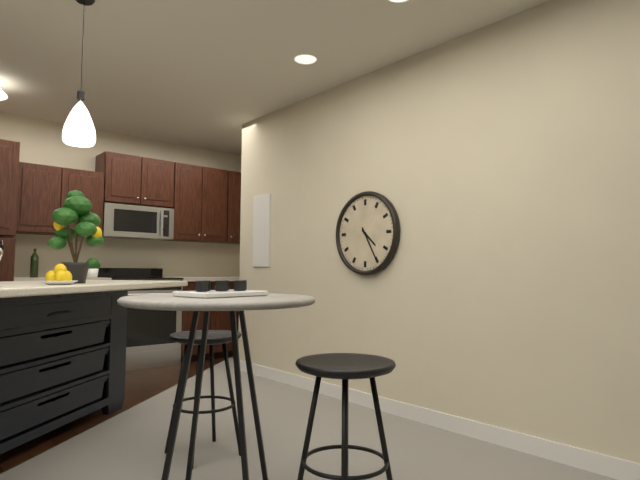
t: 4:25
